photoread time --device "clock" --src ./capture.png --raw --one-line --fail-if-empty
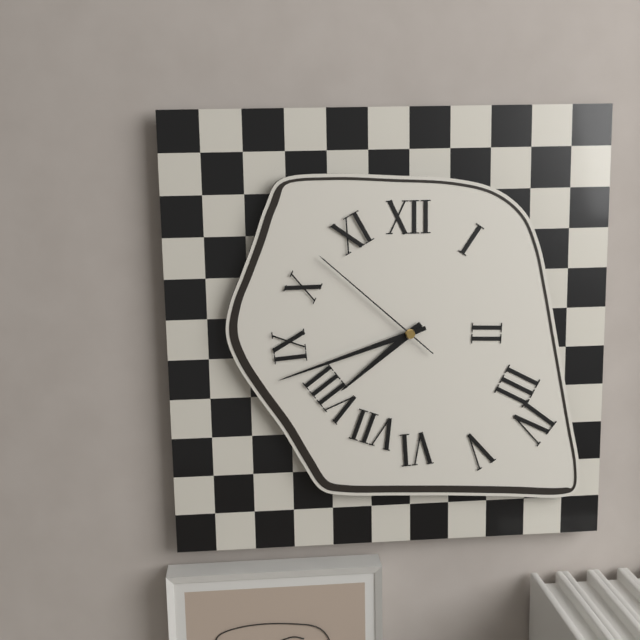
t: 7:42:52
